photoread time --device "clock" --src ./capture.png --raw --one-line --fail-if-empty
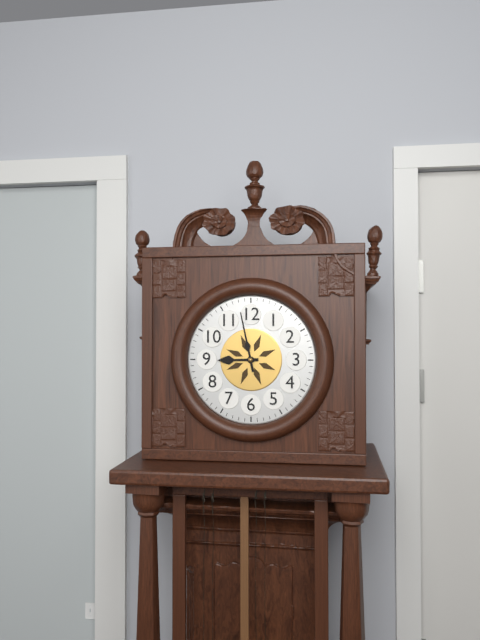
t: 8:58
